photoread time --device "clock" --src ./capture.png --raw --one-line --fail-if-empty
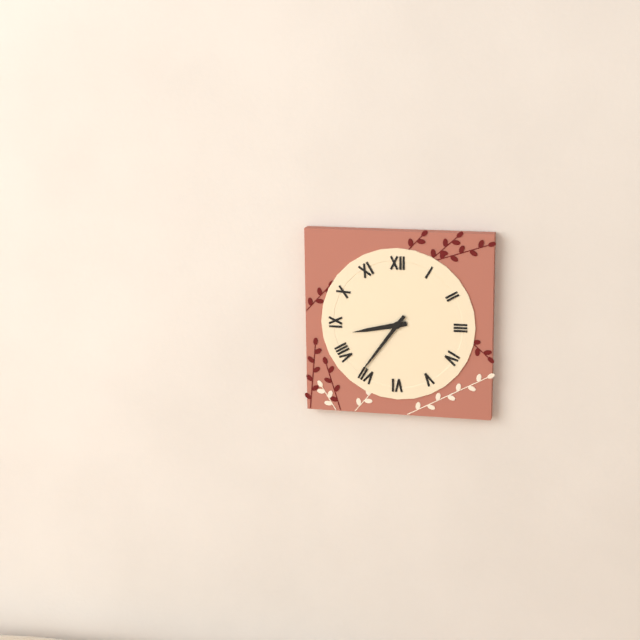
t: 8:36
